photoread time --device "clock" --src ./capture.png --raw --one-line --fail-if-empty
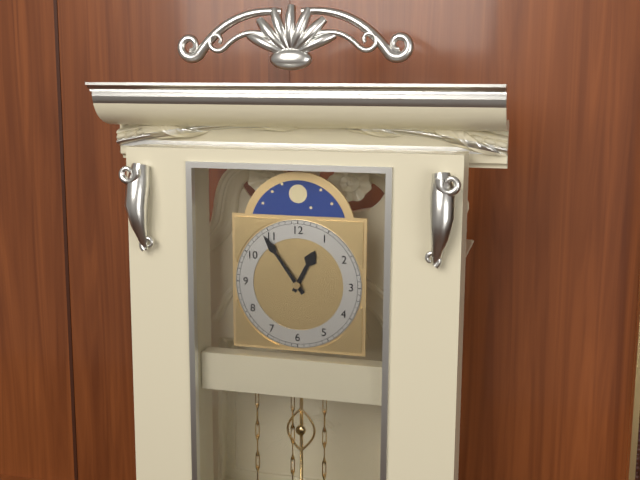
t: 12:54
